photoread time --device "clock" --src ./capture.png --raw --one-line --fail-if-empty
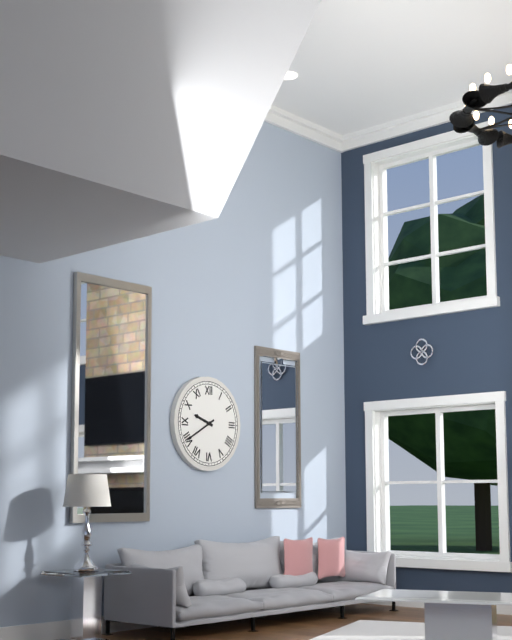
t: 9:40
